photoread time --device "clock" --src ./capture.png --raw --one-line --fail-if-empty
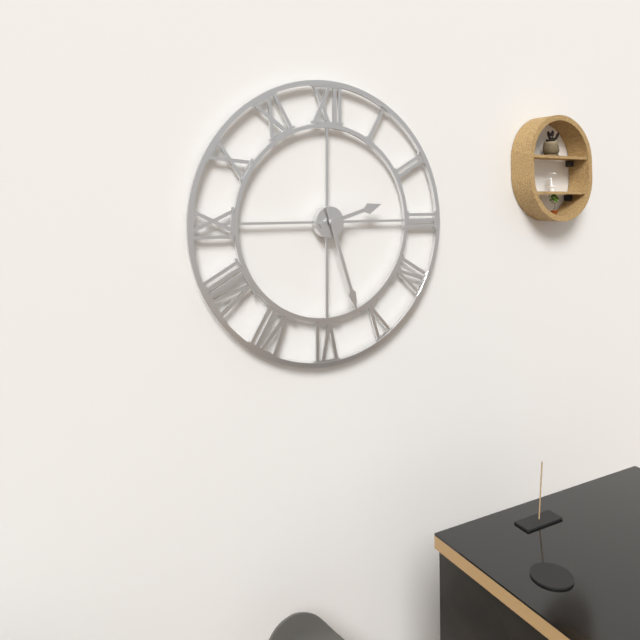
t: 2:27
